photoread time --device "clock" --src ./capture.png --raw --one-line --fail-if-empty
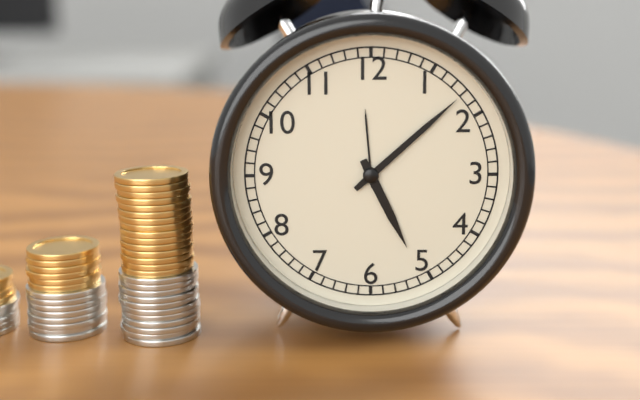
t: 5:08
